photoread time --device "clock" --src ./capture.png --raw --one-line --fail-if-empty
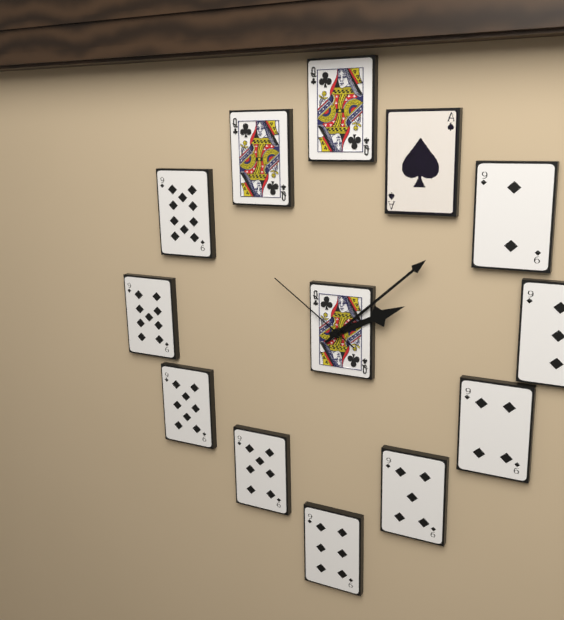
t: 2:08:51
